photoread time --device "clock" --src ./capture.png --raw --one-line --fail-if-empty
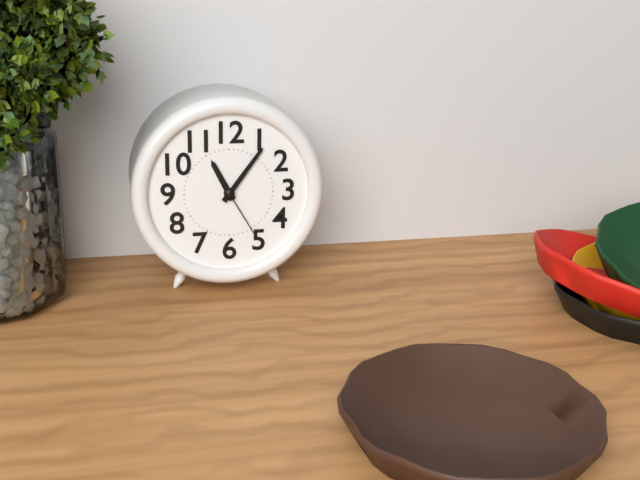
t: 11:06:25
